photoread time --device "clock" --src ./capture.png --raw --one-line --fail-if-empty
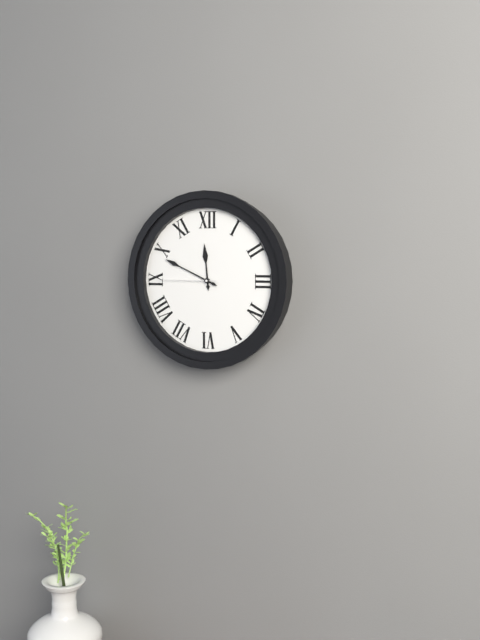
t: 11:49:45
